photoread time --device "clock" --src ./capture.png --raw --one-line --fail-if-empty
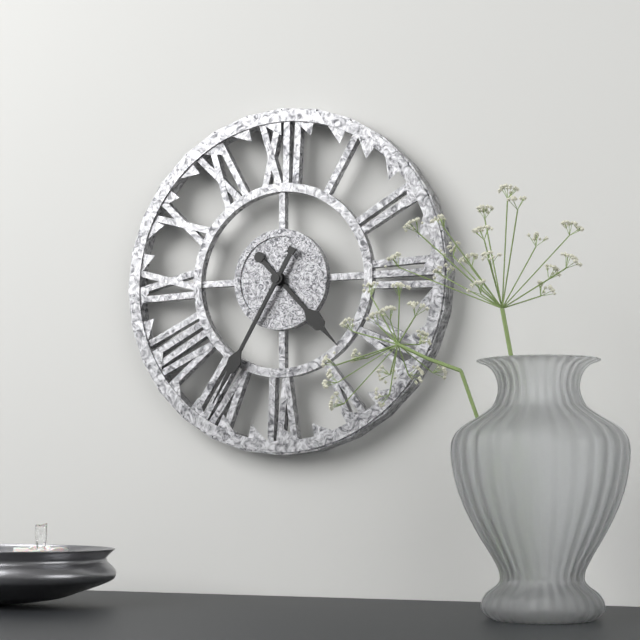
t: 4:35
